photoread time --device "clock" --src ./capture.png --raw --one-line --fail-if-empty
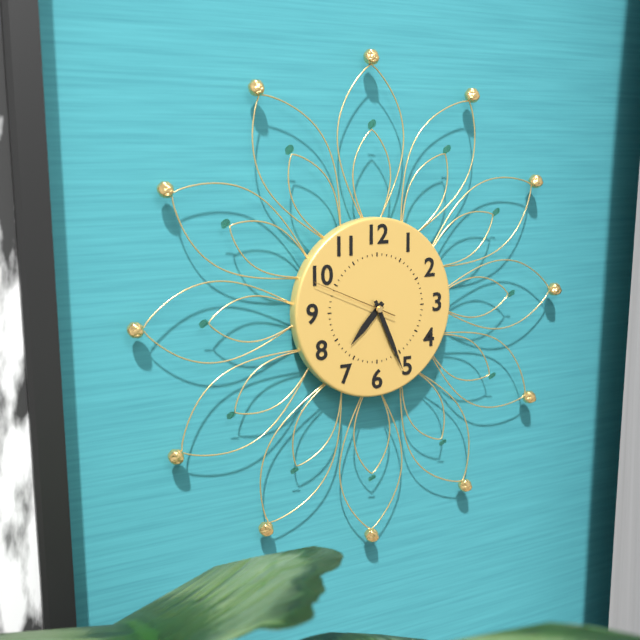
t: 7:26:49
